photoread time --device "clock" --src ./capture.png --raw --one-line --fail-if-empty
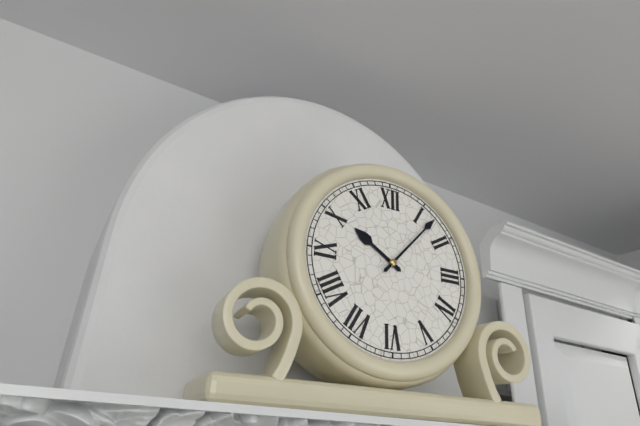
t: 10:07
